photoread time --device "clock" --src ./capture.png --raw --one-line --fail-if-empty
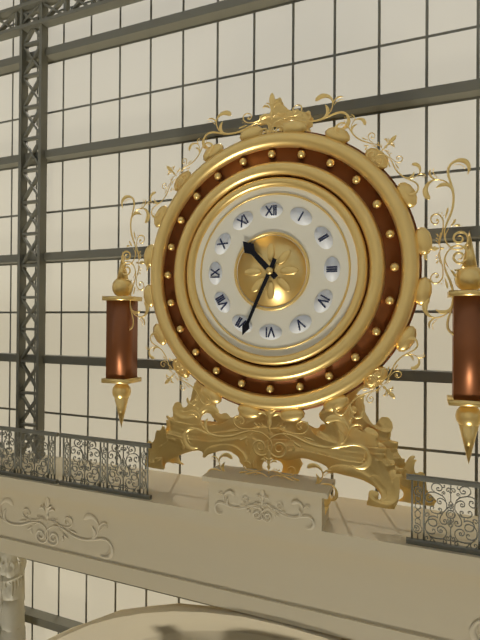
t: 10:34
